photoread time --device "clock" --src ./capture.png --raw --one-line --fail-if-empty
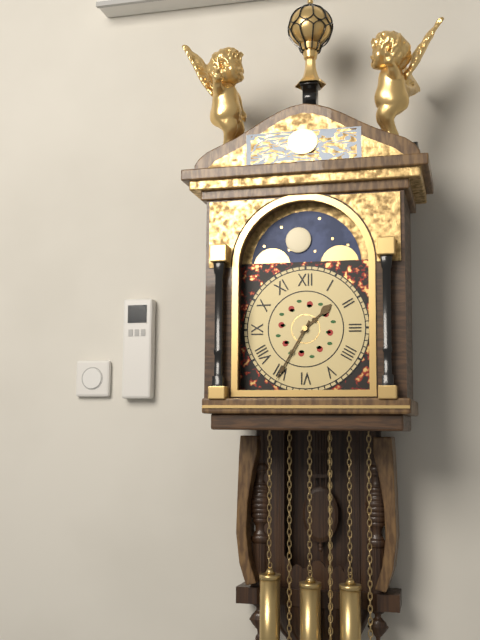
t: 1:35
